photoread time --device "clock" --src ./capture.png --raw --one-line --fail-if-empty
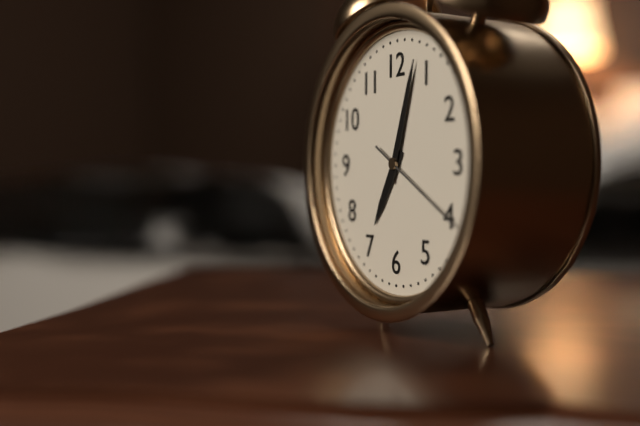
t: 7:03:20
